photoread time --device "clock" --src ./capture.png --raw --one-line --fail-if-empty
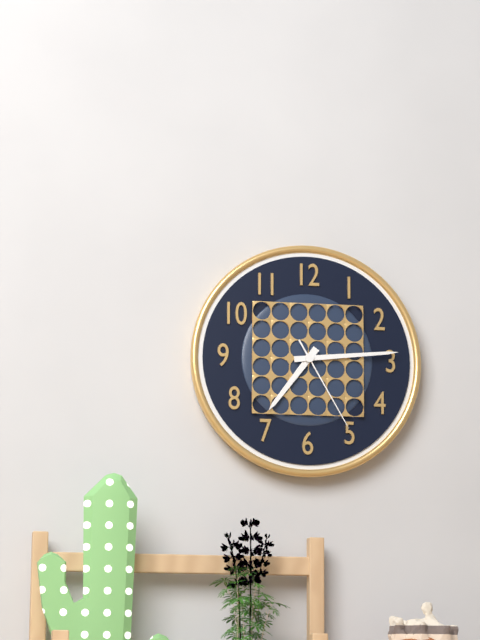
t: 7:14:25
